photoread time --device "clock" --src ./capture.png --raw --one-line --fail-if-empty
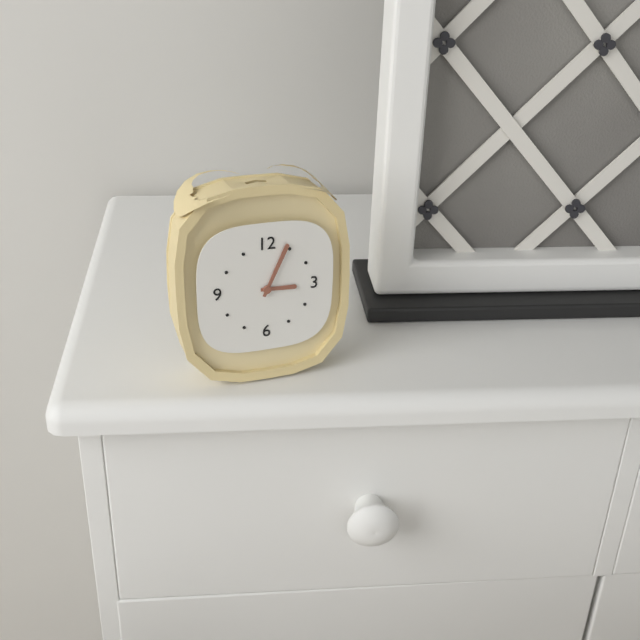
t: 3:04
